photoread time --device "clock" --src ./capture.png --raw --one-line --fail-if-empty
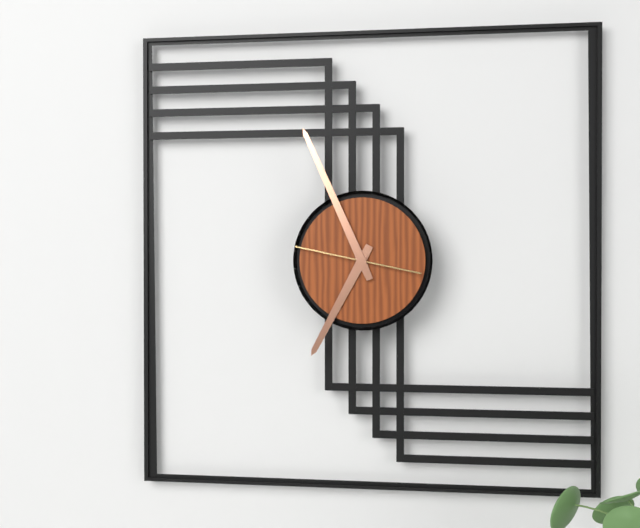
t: 6:56:47
